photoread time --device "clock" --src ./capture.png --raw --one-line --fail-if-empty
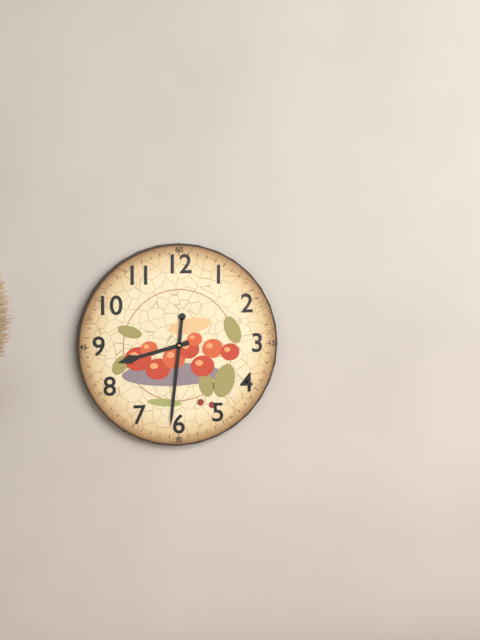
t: 8:31
